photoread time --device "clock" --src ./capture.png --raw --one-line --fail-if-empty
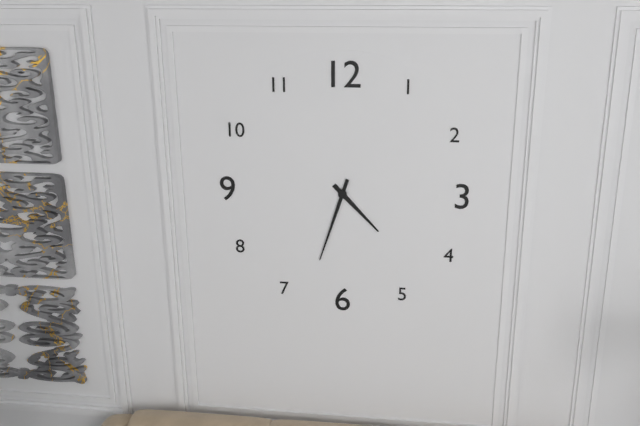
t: 4:33
